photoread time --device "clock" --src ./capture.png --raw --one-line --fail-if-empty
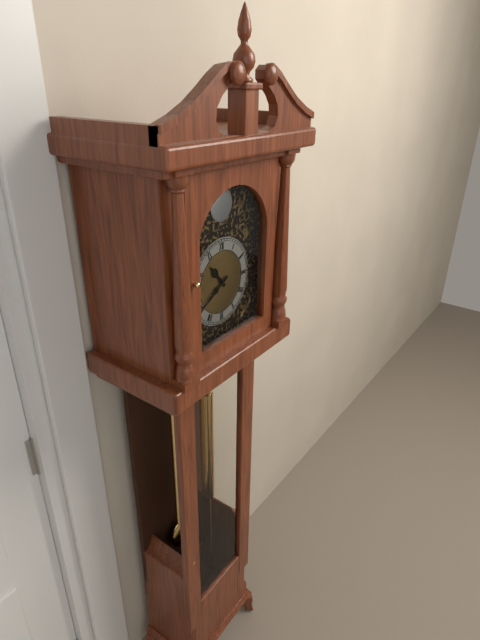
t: 10:40
